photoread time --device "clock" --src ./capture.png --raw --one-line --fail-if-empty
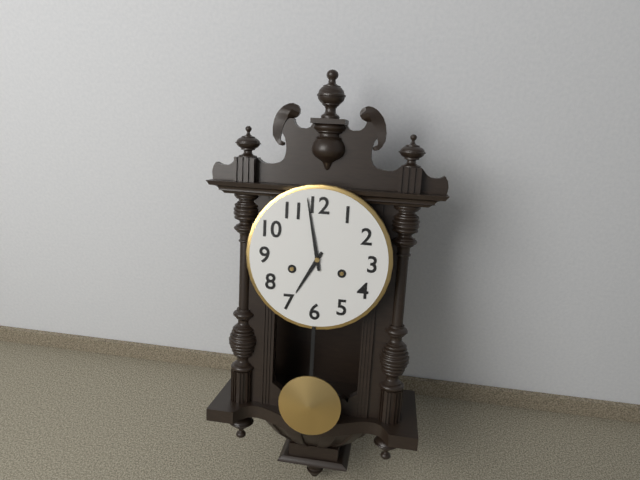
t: 6:58
